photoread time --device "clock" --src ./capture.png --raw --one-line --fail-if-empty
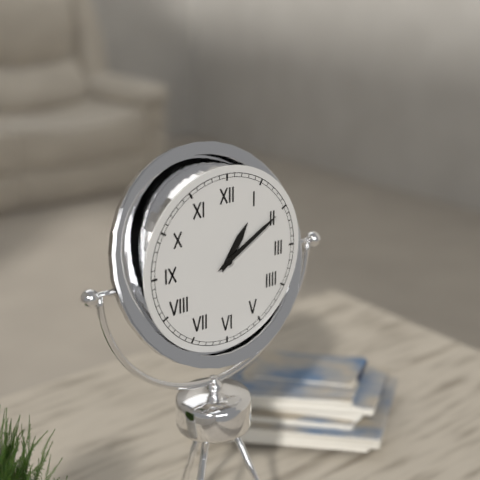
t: 1:10
